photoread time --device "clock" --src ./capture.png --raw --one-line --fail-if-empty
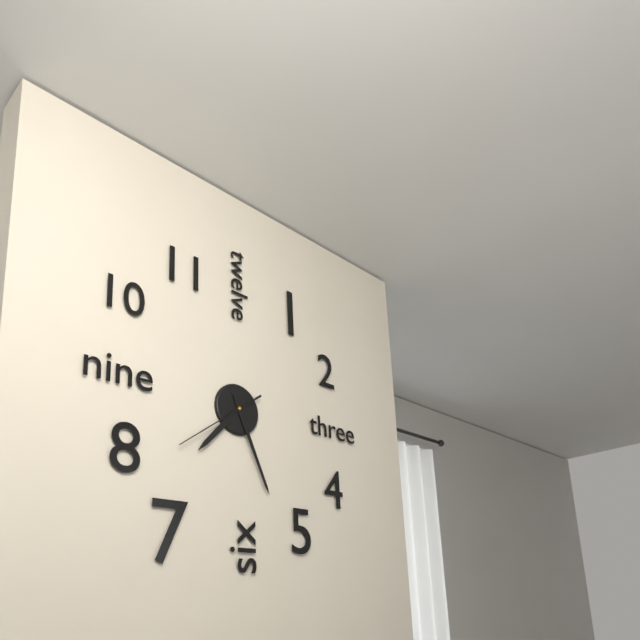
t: 7:26:39
